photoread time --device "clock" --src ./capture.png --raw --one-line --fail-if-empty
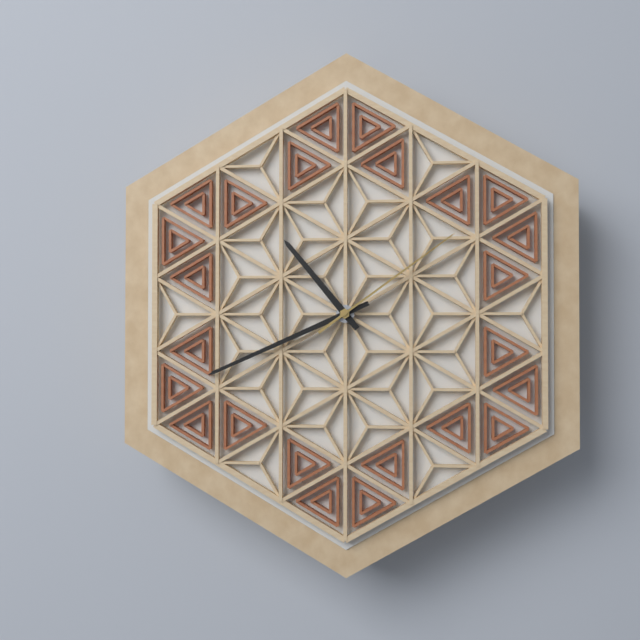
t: 10:41:09
